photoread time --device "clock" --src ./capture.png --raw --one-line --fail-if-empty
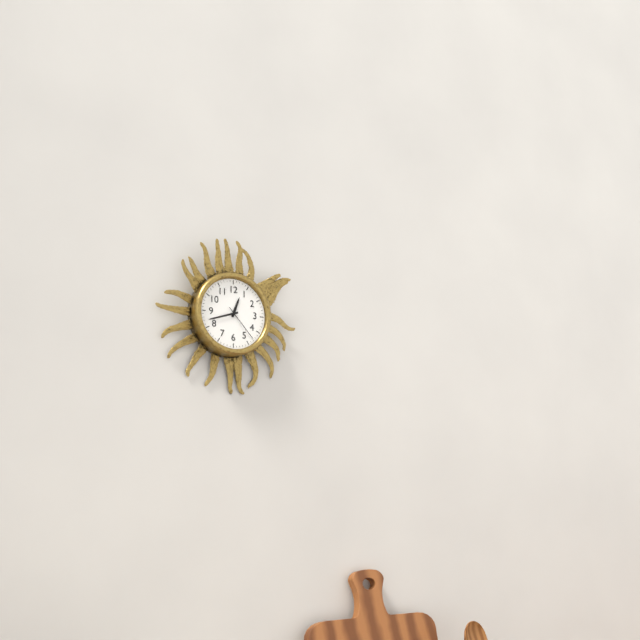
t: 12:42
